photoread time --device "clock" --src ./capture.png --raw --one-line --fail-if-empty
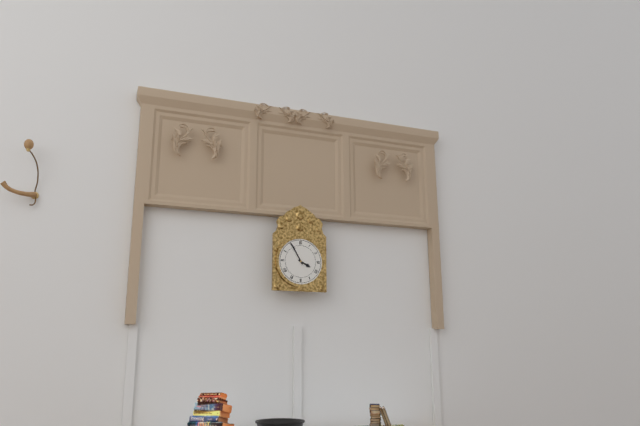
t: 3:55
